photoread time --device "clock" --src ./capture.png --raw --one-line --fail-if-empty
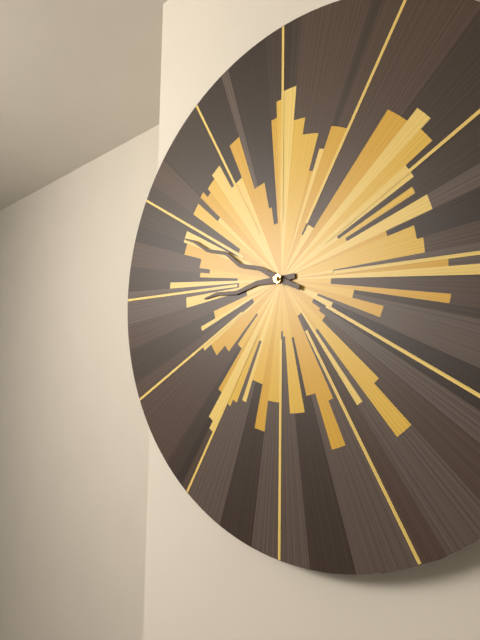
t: 8:49
